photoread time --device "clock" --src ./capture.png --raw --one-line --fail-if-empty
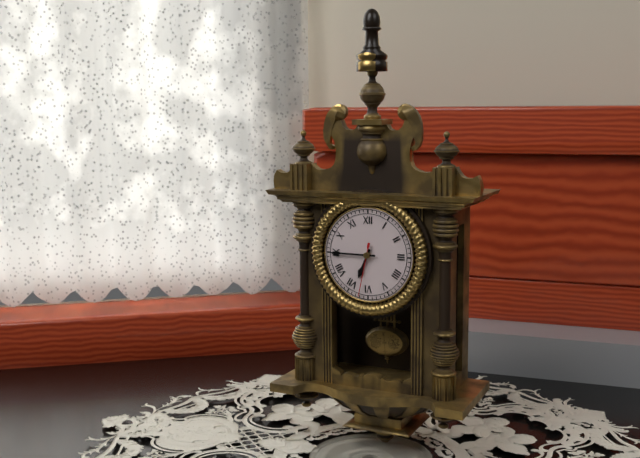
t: 6:45:32
